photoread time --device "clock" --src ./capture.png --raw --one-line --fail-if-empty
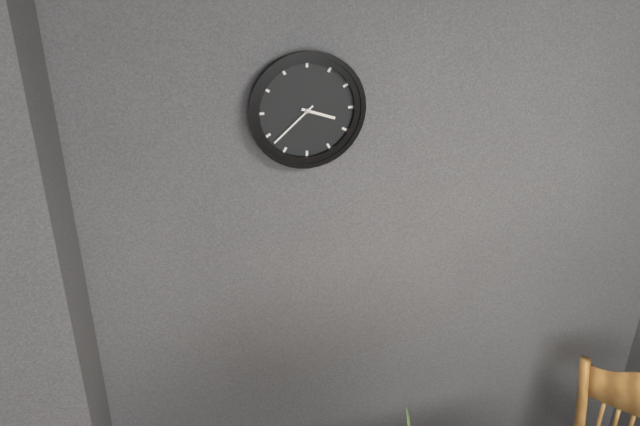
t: 3:38
